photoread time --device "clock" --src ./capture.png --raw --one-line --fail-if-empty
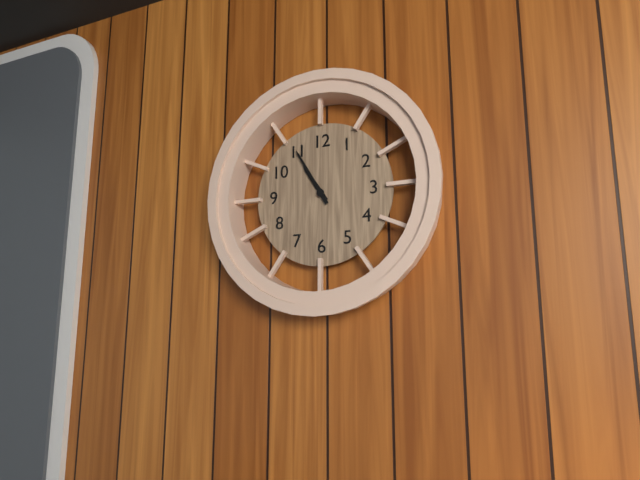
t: 10:55
